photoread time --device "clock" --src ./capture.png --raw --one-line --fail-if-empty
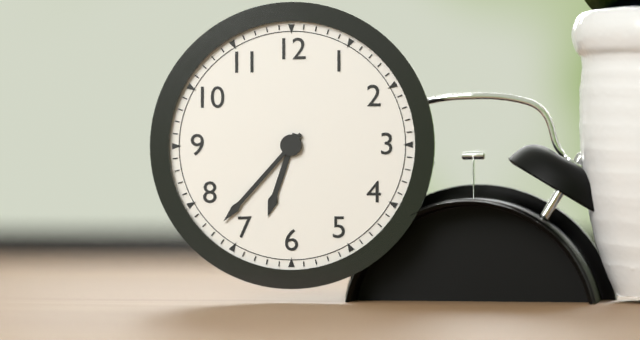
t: 6:37
